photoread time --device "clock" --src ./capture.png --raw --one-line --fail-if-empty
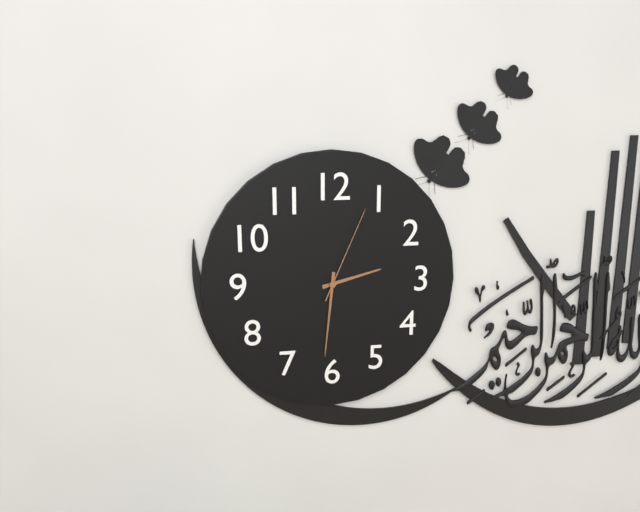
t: 2:31:04
